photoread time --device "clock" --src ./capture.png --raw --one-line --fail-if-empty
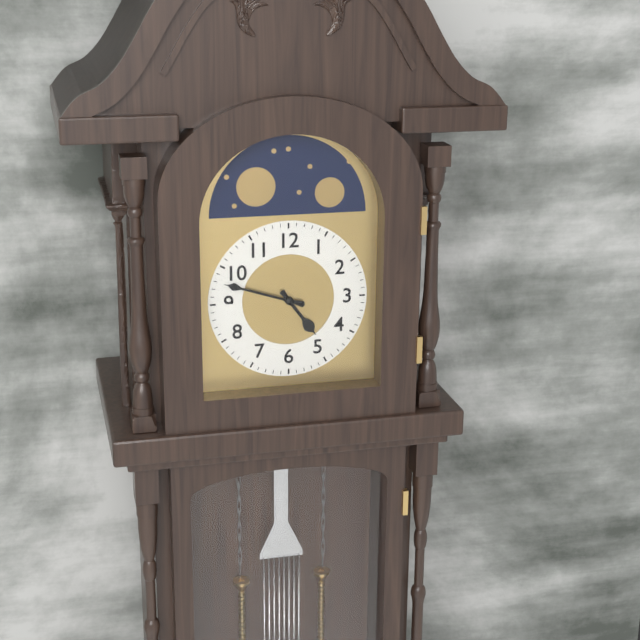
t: 4:48
